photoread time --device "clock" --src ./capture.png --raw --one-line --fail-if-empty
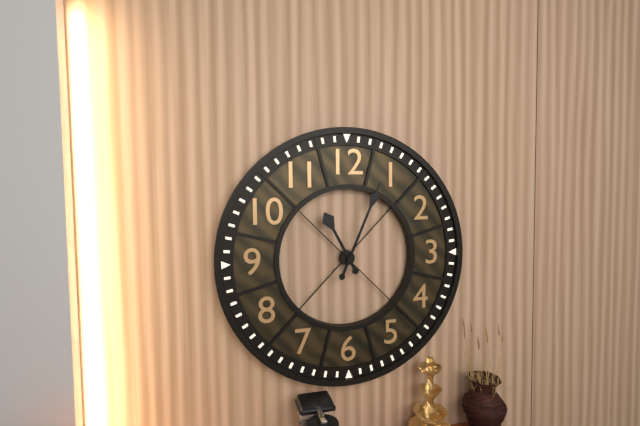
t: 11:04
